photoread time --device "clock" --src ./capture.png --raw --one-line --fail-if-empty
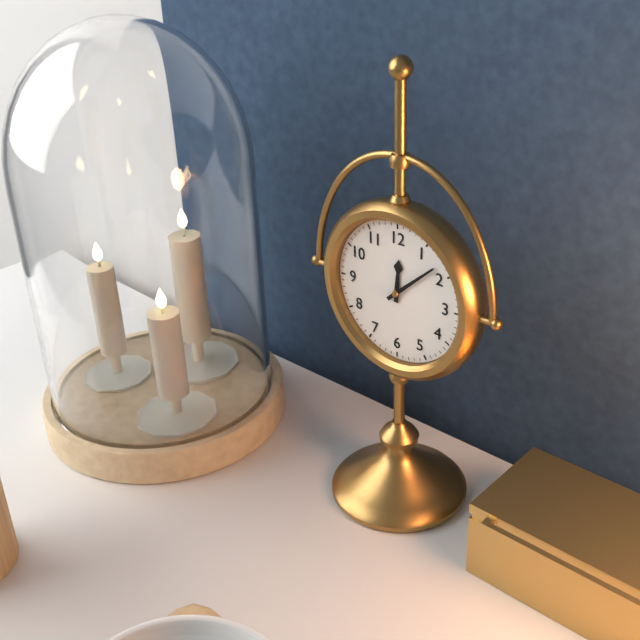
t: 12:08
